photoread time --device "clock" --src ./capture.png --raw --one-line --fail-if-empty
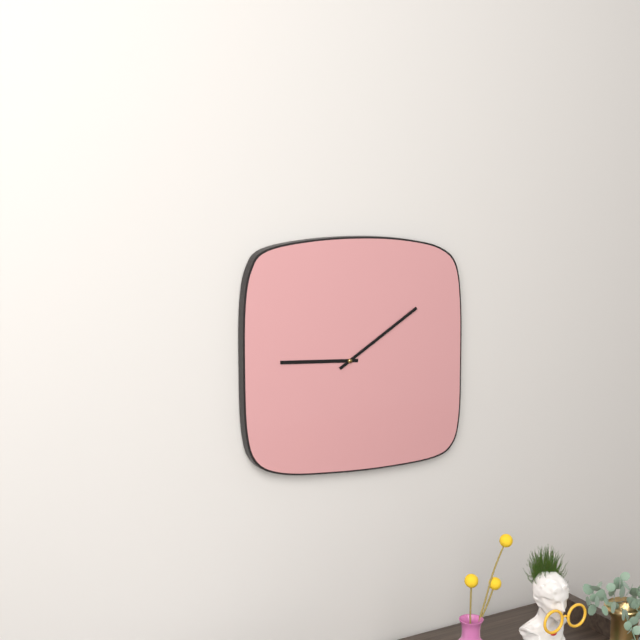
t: 9:10
